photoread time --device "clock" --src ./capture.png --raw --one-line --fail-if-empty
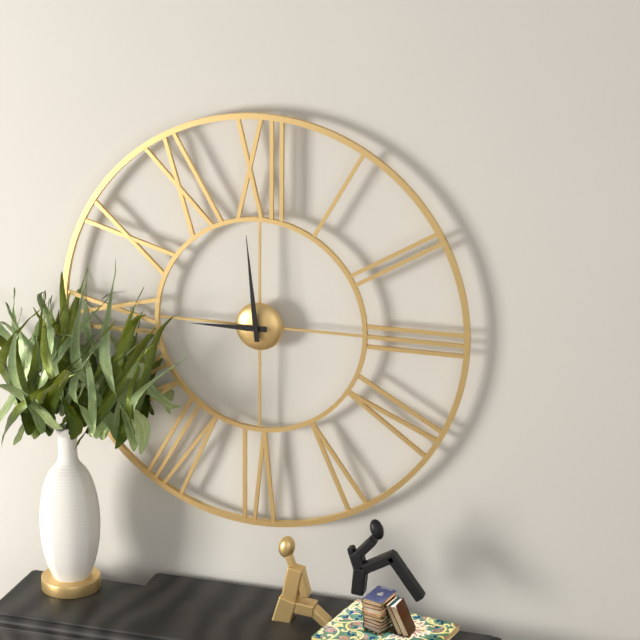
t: 8:59
